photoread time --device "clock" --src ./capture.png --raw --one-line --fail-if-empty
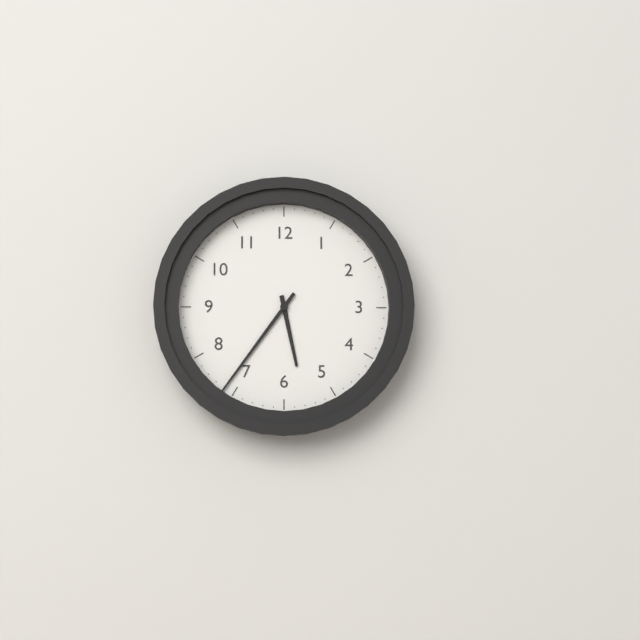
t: 5:36
